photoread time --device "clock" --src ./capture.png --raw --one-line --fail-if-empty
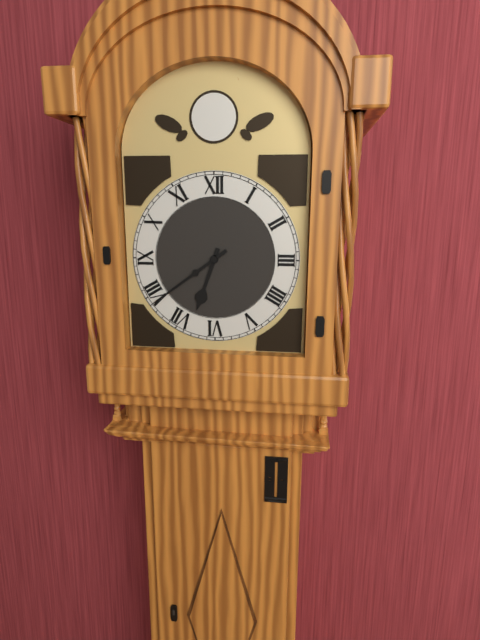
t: 6:39
